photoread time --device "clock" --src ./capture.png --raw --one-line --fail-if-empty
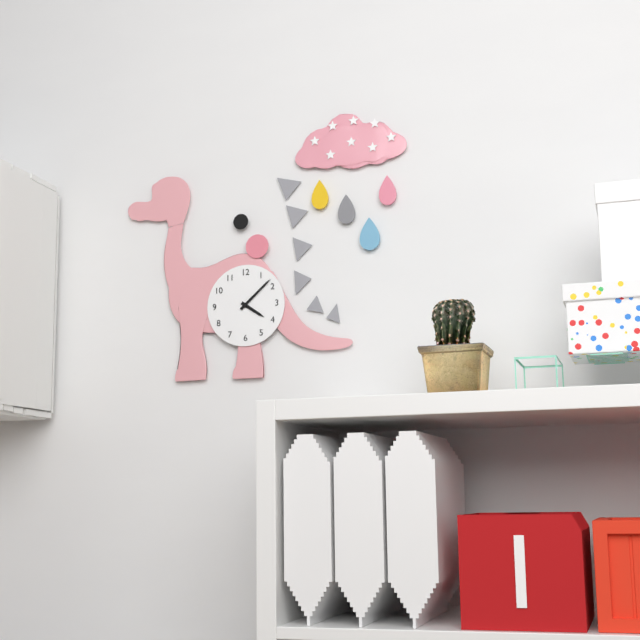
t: 4:08
